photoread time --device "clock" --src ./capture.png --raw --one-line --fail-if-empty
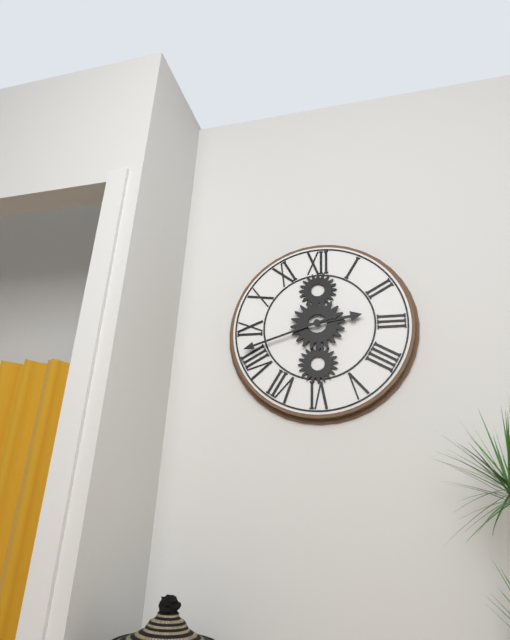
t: 2:42
